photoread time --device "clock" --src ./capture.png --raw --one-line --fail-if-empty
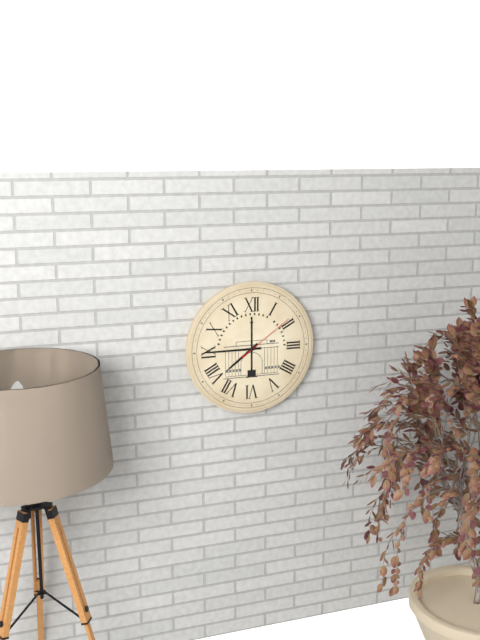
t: 7:45:09
